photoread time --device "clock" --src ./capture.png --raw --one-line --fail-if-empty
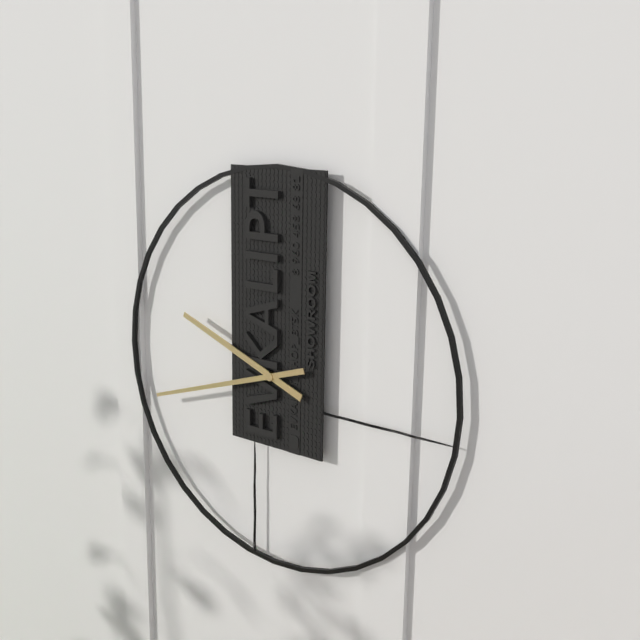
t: 9:42
